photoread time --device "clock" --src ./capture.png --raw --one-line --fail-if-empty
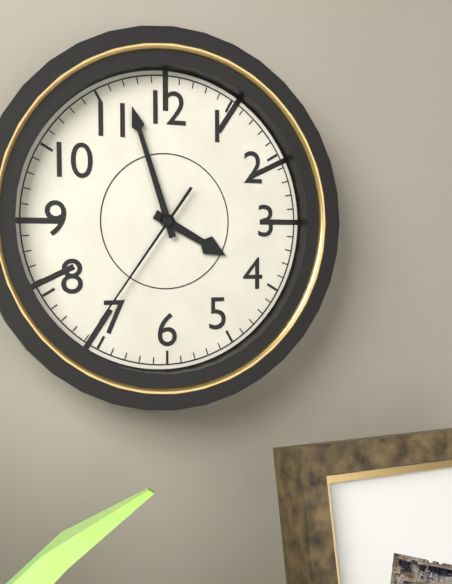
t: 3:57:36
